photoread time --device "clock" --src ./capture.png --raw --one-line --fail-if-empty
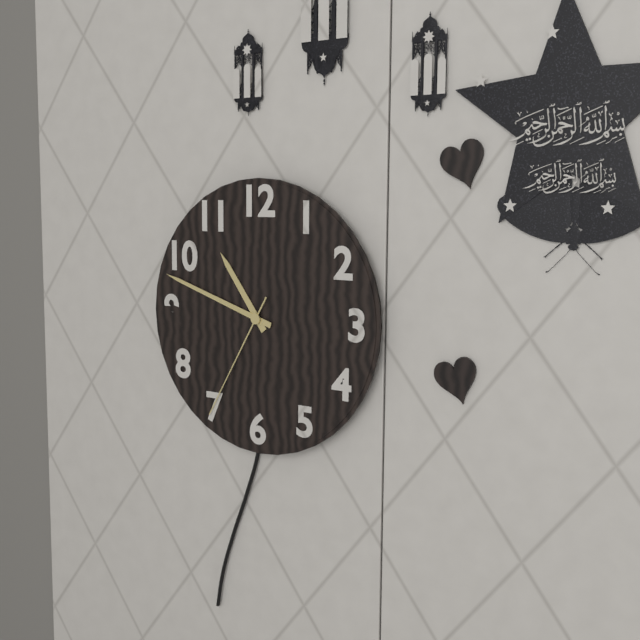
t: 10:48:35
